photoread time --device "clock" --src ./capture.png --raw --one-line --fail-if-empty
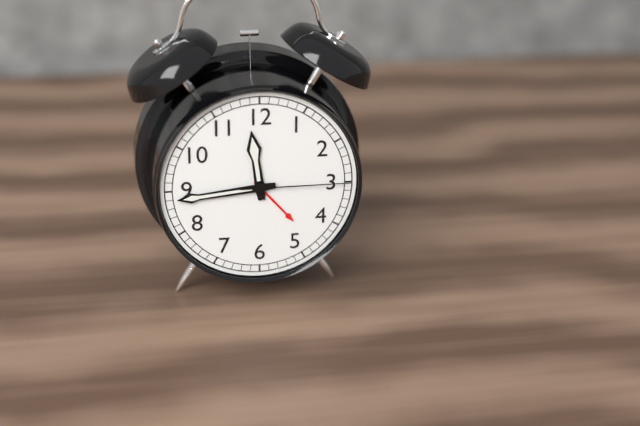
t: 11:44:15
